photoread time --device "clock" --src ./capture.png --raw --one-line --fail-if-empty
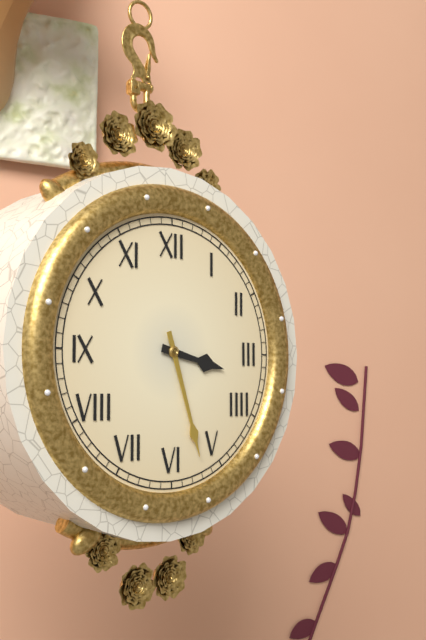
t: 3:27
